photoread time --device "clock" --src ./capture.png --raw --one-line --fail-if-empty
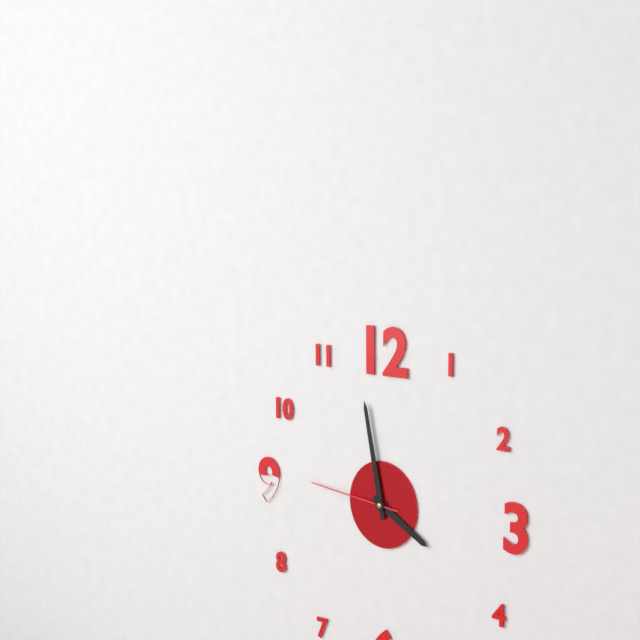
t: 3:58:46
